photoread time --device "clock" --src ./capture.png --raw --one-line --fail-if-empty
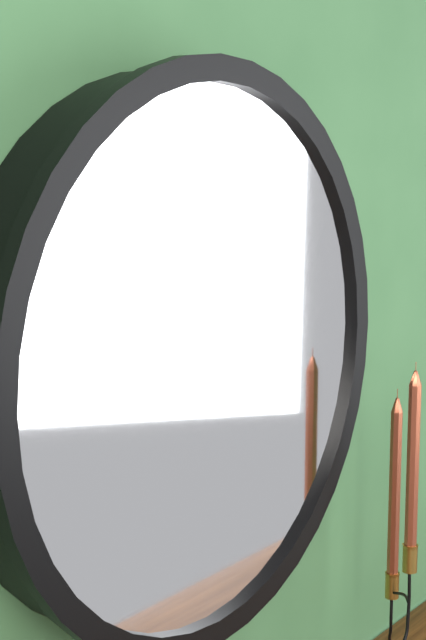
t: 11:14
